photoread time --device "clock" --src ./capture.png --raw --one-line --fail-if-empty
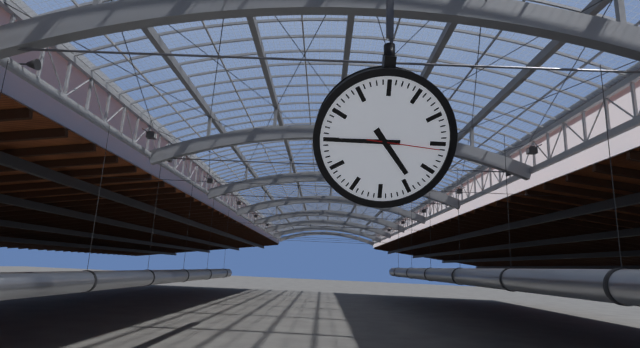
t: 4:45:16
